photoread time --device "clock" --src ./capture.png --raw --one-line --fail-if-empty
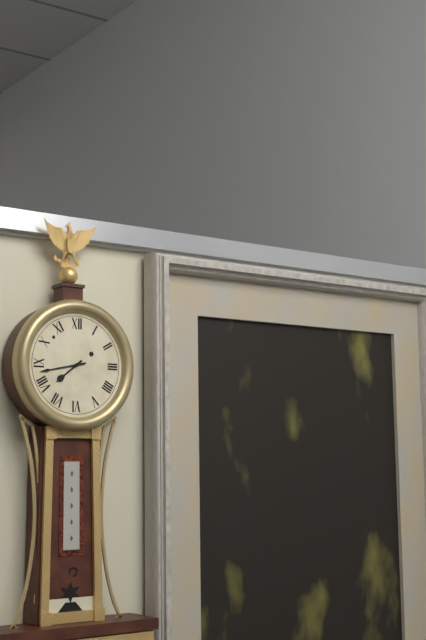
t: 7:43
